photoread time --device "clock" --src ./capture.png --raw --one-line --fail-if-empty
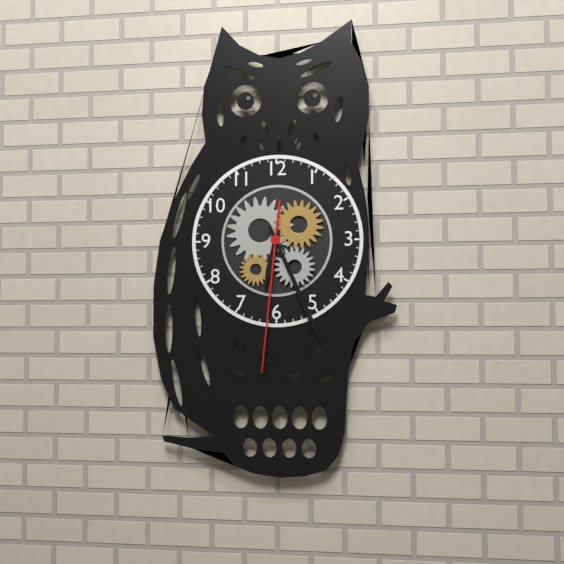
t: 6:26:31
